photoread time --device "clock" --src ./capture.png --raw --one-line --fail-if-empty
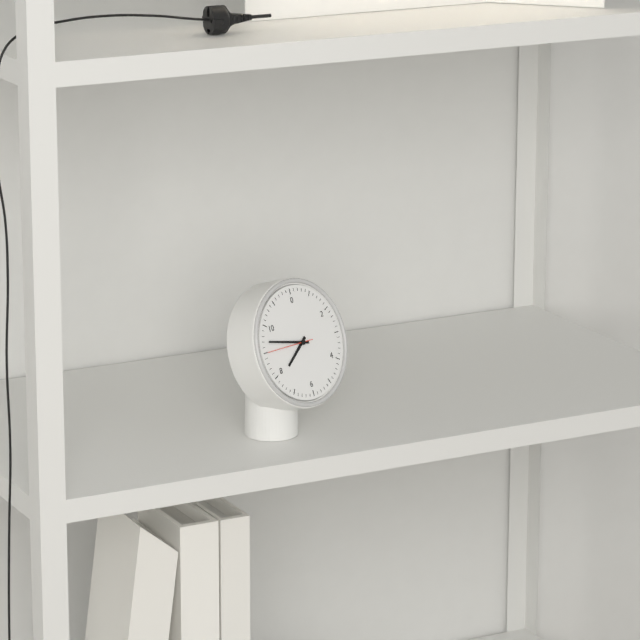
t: 7:47
